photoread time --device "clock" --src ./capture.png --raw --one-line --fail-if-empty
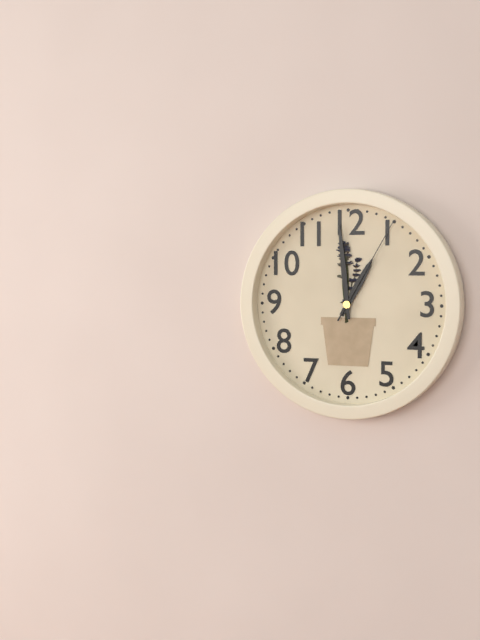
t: 12:59:05
